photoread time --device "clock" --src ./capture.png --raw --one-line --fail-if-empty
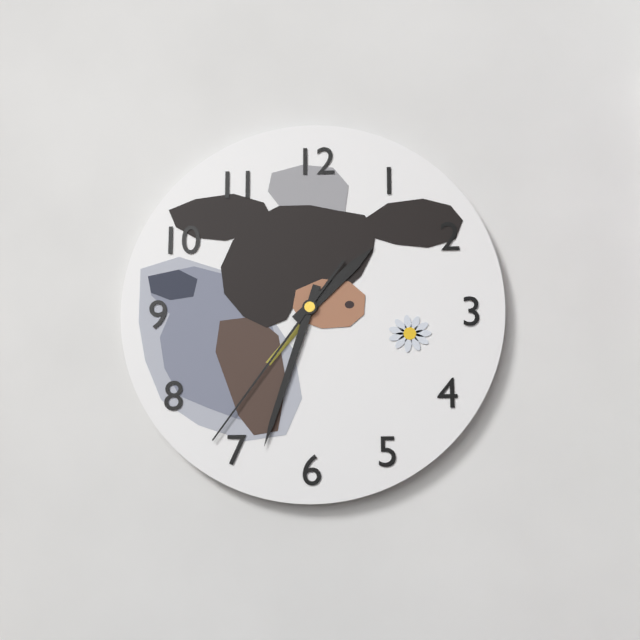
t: 1:33:36
